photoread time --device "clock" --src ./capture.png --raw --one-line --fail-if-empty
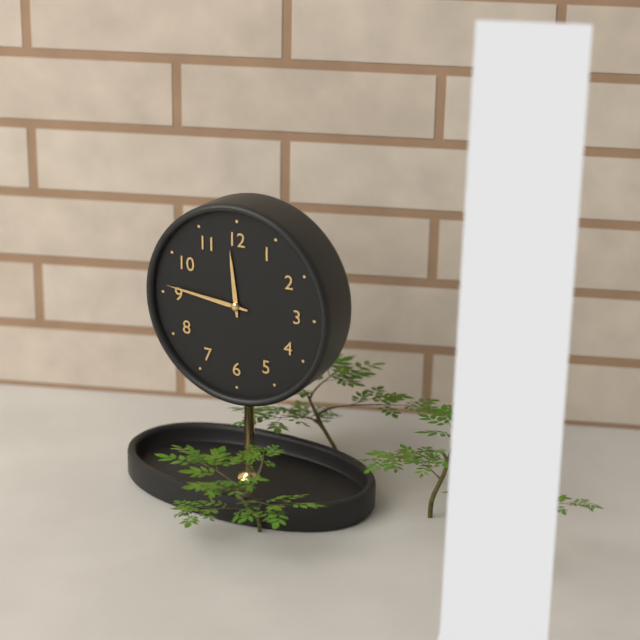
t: 11:46
